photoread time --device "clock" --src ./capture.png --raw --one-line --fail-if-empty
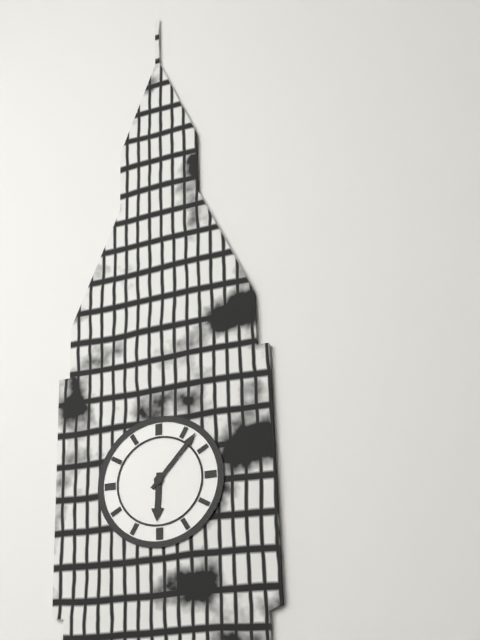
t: 6:07
